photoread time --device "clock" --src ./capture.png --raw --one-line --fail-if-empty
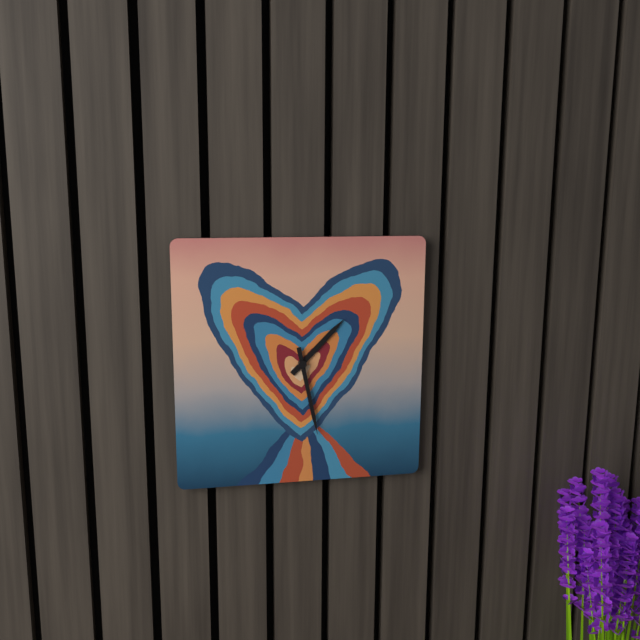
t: 1:28
